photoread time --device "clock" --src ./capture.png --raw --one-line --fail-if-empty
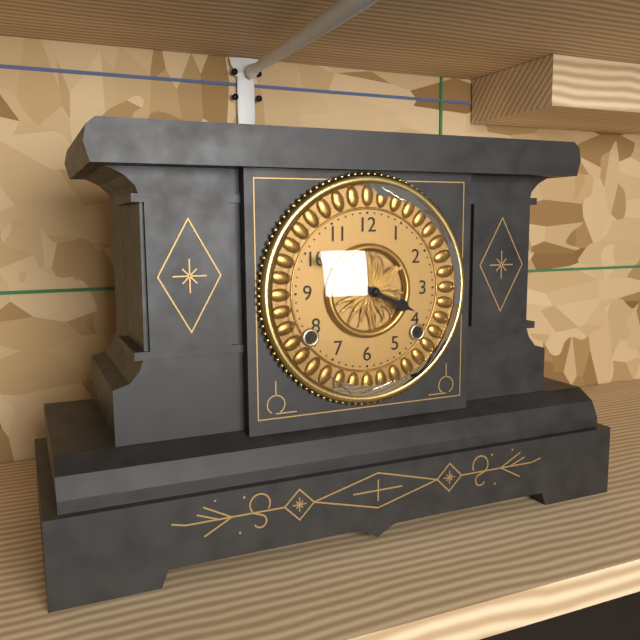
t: 3:50
